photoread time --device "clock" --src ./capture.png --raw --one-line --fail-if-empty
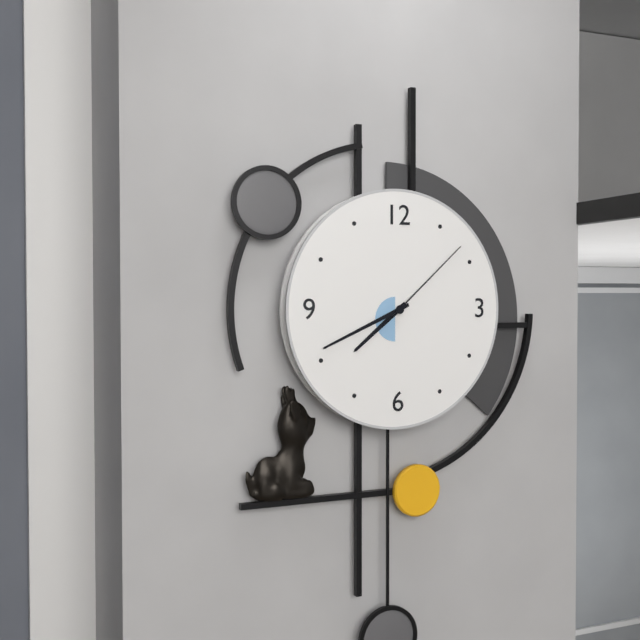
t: 7:41:08
